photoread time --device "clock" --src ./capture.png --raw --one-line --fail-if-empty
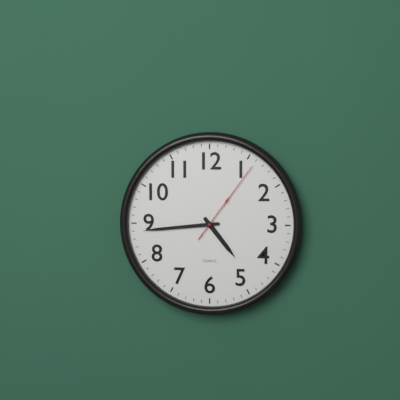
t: 4:44:06
